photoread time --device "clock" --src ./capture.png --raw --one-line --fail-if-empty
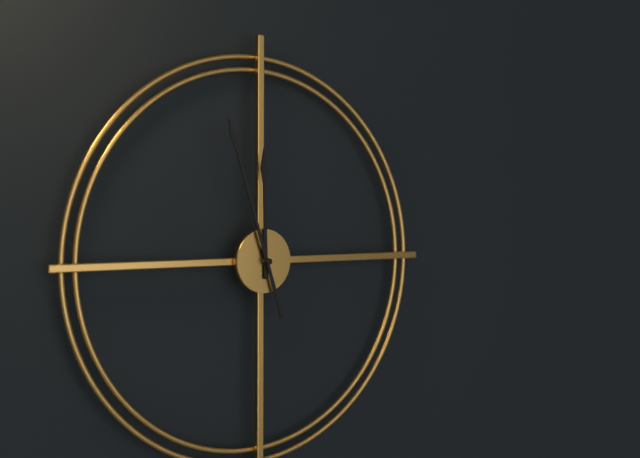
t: 11:57
